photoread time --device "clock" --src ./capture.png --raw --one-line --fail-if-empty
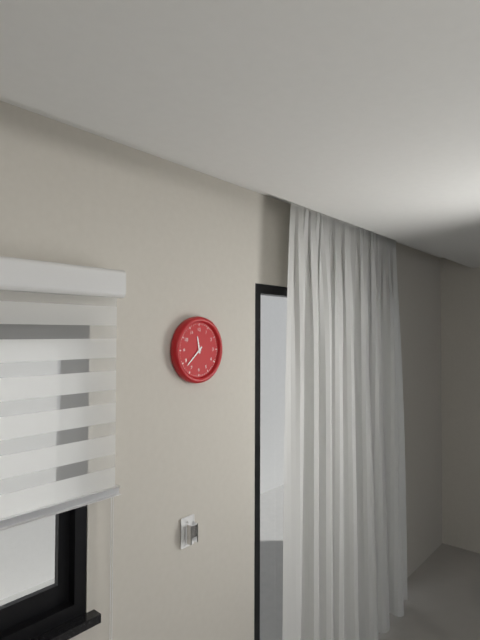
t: 11:38
